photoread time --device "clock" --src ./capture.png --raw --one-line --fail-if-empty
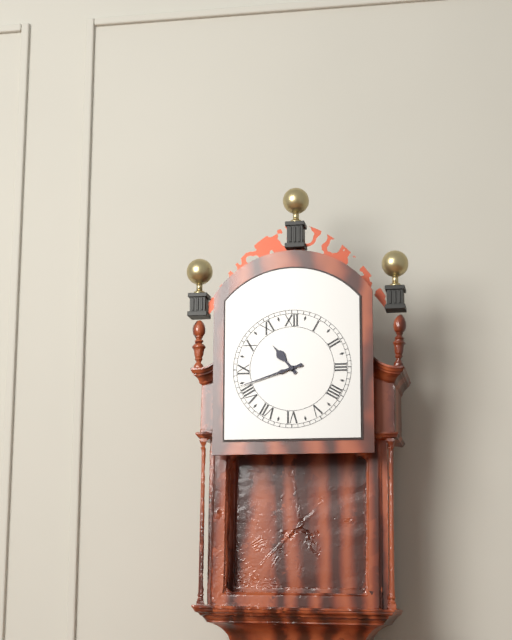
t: 10:42
